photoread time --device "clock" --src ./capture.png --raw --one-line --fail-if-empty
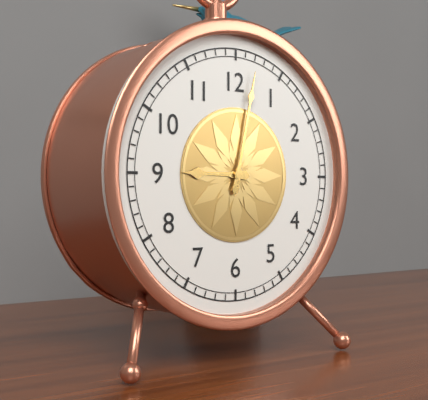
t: 9:02
